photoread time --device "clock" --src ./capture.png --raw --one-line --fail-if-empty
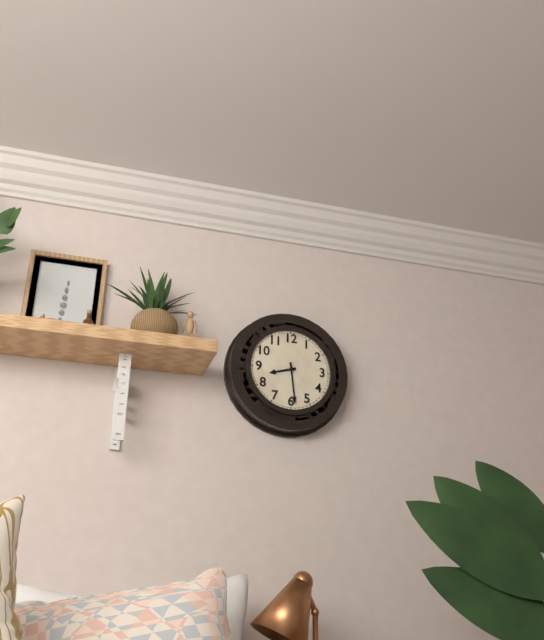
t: 8:29
